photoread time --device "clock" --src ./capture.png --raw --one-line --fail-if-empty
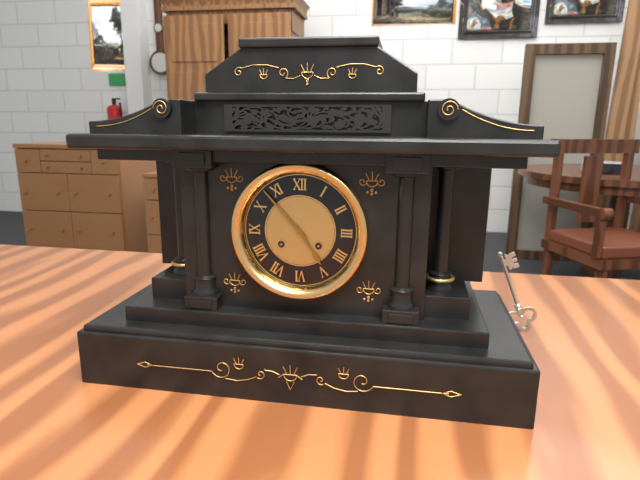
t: 4:53
